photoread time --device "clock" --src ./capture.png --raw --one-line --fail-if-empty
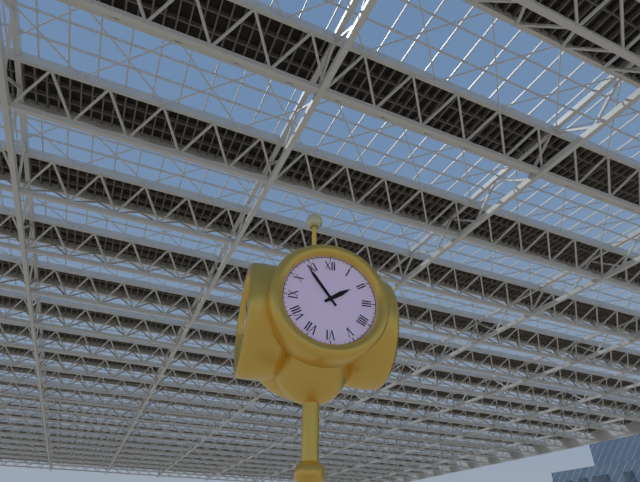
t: 1:54
